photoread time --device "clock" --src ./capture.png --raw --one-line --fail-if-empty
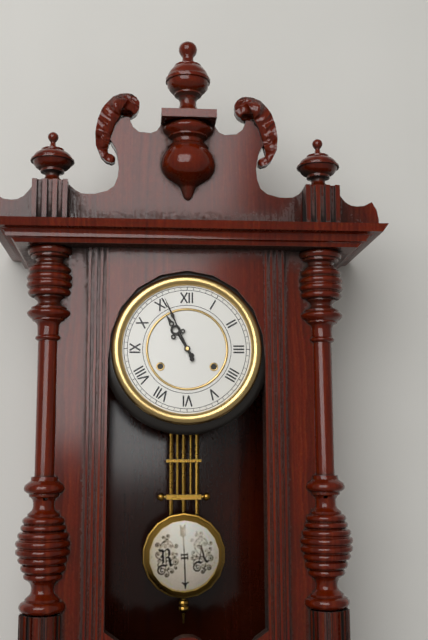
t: 10:56
